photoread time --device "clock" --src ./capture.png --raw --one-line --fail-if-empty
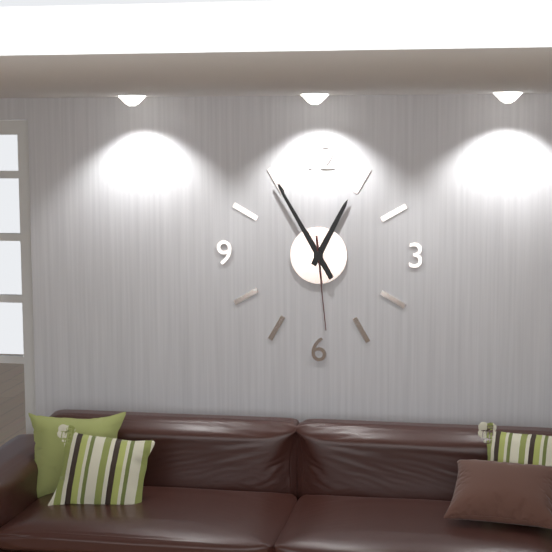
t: 12:55:29
